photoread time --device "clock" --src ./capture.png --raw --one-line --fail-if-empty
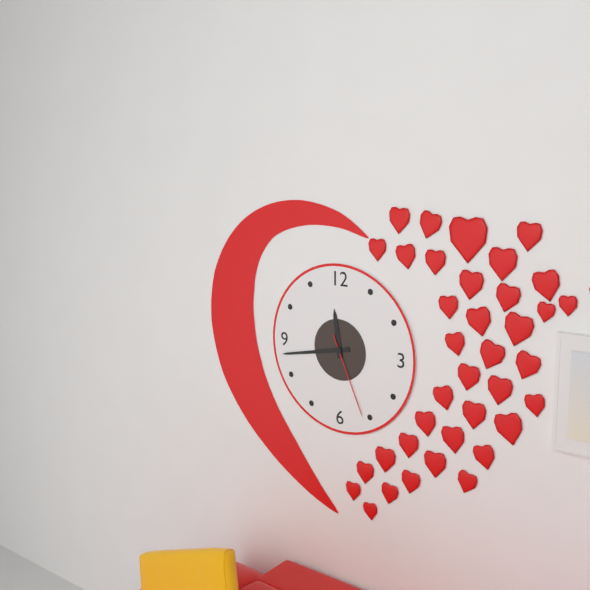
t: 11:43:26
